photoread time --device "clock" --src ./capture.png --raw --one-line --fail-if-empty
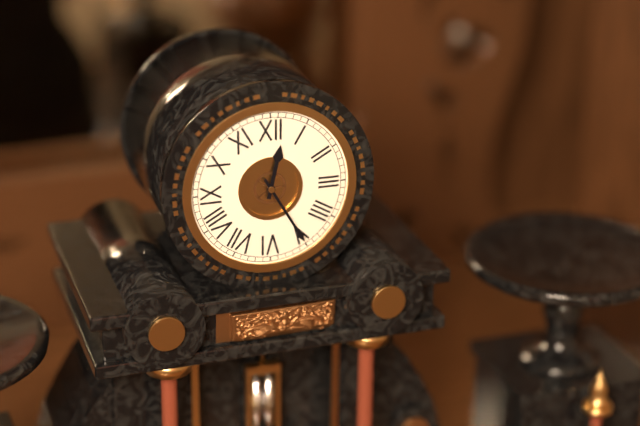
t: 12:25
